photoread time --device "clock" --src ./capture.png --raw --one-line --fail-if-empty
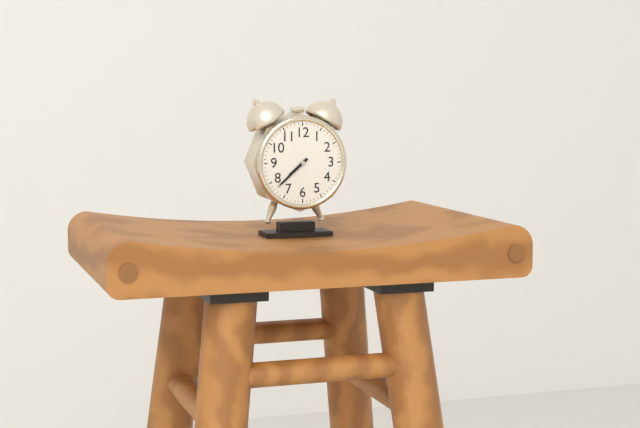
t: 7:38
